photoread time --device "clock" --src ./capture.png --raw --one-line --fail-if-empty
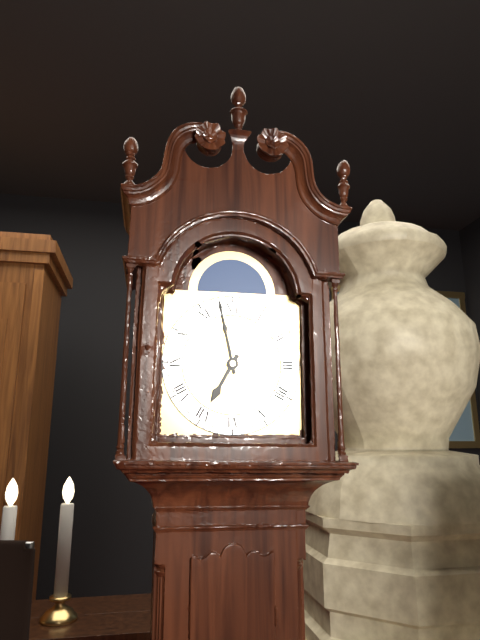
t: 6:58
